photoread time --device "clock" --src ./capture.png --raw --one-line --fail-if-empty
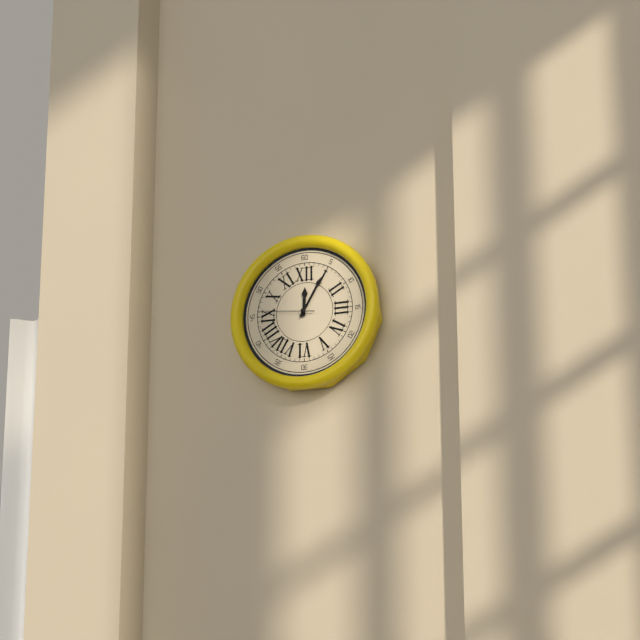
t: 12:05:46
